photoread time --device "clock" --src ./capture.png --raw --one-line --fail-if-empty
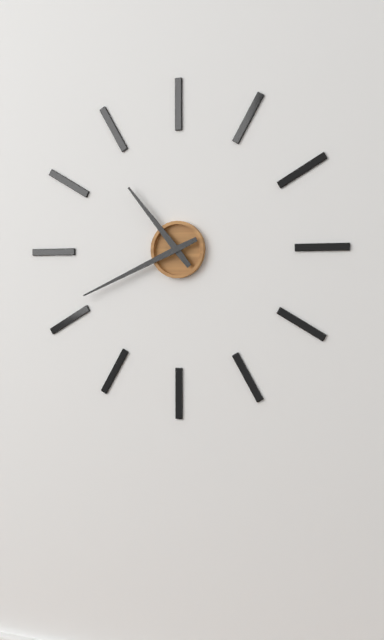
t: 10:41
